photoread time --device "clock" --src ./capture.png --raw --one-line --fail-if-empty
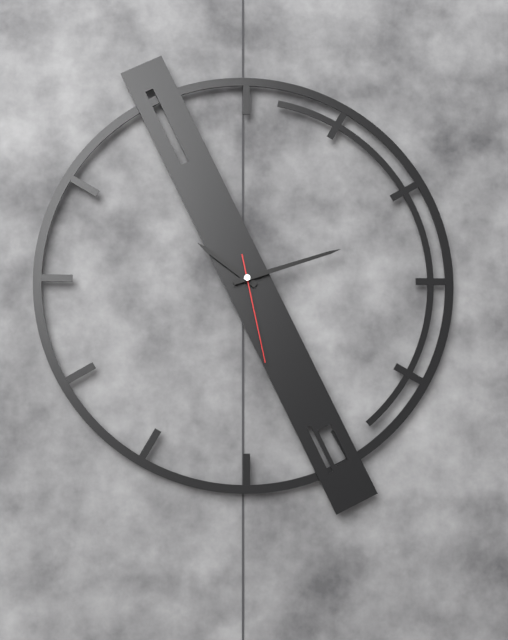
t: 10:12:28
